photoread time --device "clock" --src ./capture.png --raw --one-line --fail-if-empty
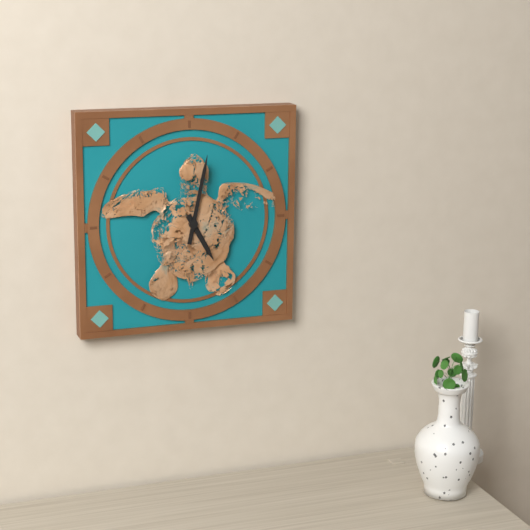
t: 5:02
